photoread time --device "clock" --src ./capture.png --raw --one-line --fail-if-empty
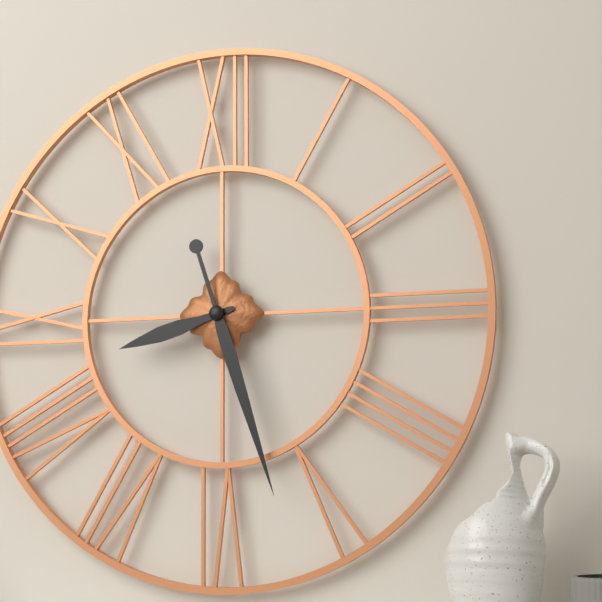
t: 8:27
